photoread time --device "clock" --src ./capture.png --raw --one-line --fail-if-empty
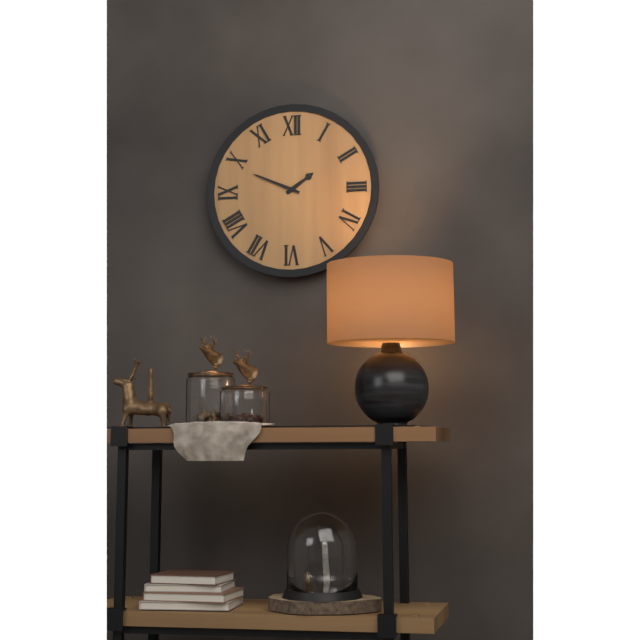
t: 1:49
